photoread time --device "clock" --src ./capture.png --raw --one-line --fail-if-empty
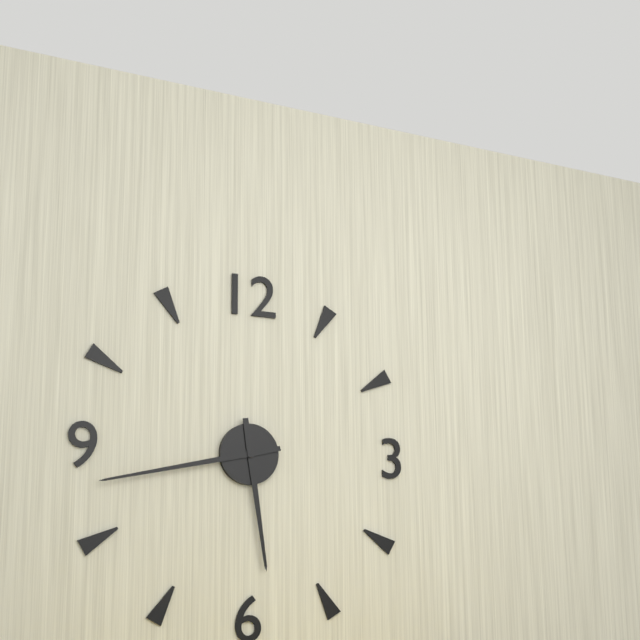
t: 5:43
